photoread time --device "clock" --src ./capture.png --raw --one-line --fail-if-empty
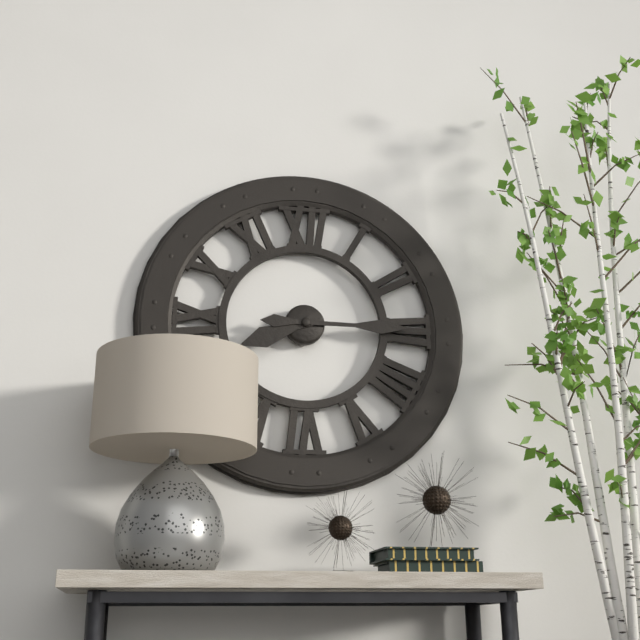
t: 8:15
